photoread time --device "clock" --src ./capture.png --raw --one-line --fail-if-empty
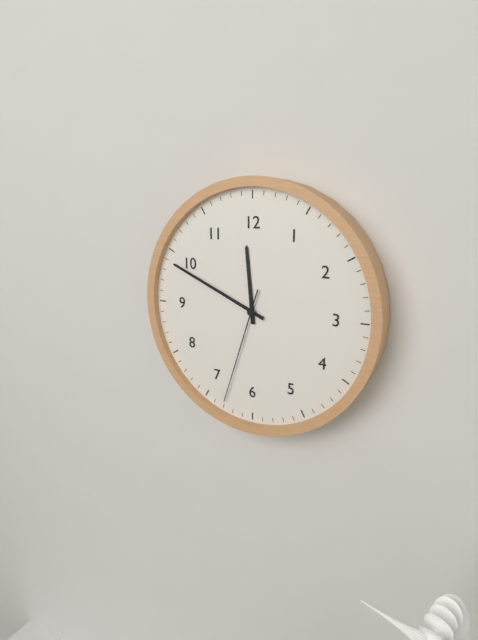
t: 11:49:33
